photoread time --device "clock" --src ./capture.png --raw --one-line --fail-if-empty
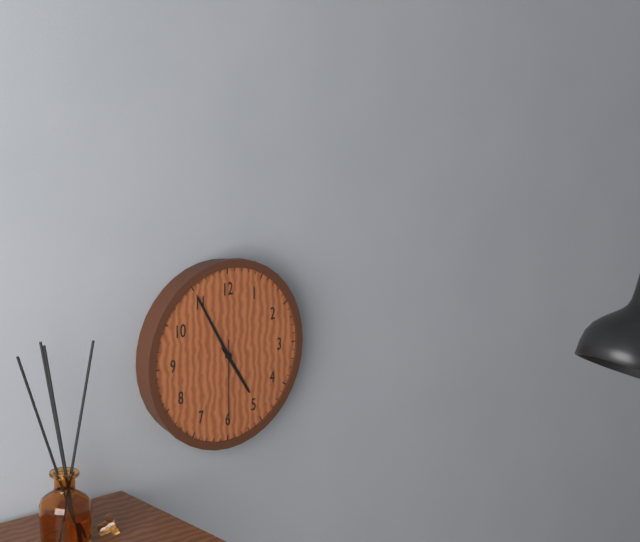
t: 4:55:30
